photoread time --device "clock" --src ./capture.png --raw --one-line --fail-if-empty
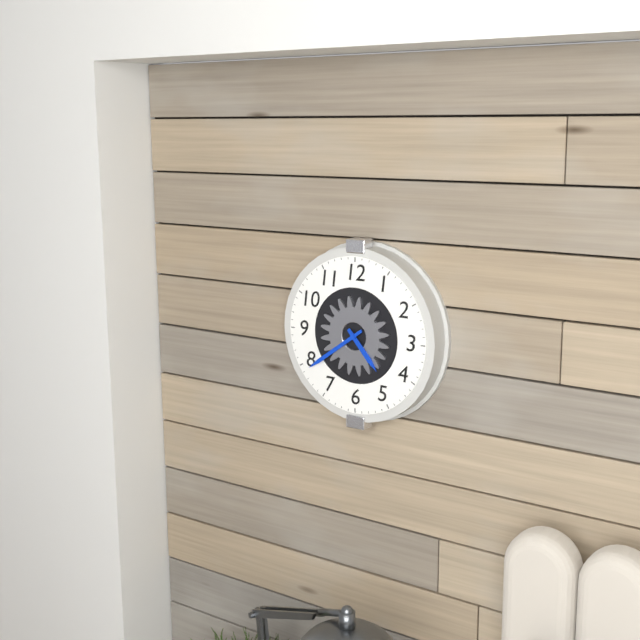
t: 4:39
